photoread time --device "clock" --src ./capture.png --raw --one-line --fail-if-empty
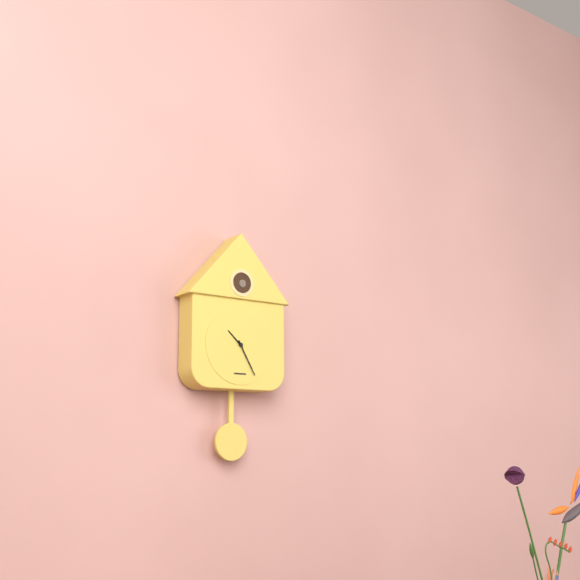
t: 10:25
